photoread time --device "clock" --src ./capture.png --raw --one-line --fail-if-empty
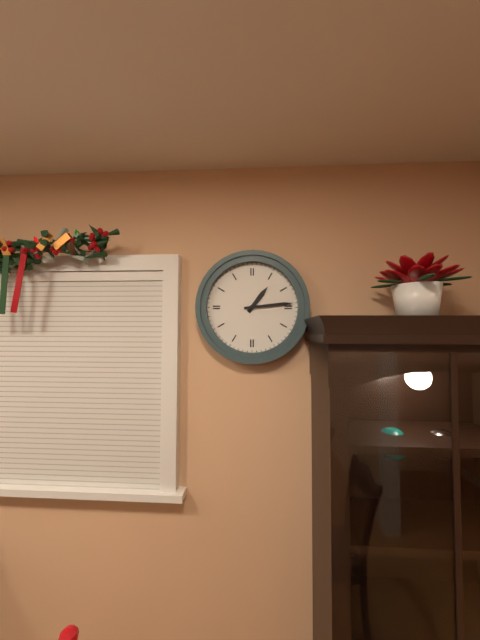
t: 1:14
